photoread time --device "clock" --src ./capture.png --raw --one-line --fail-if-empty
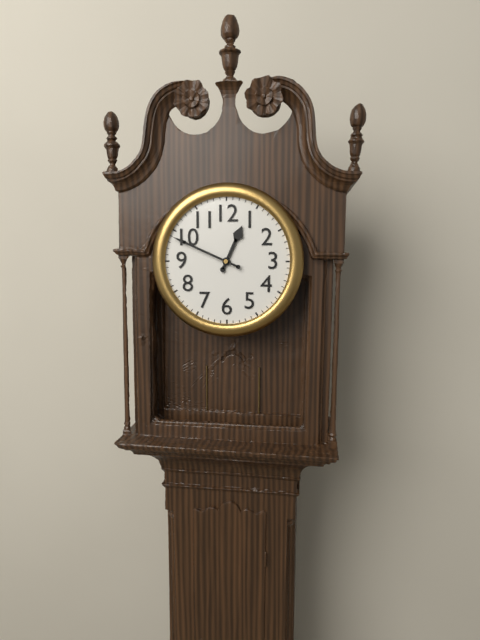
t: 12:49
